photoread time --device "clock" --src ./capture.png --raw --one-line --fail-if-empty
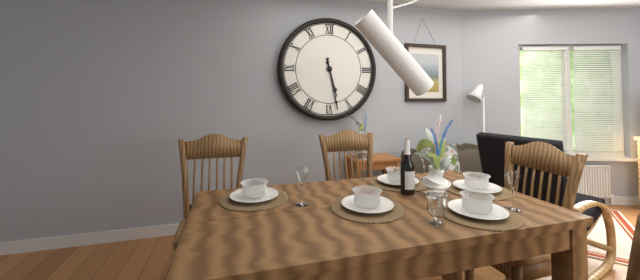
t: 5:28
